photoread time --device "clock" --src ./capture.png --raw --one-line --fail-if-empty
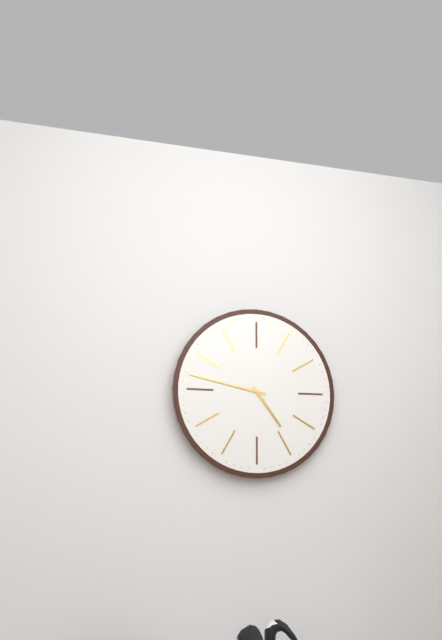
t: 4:47
